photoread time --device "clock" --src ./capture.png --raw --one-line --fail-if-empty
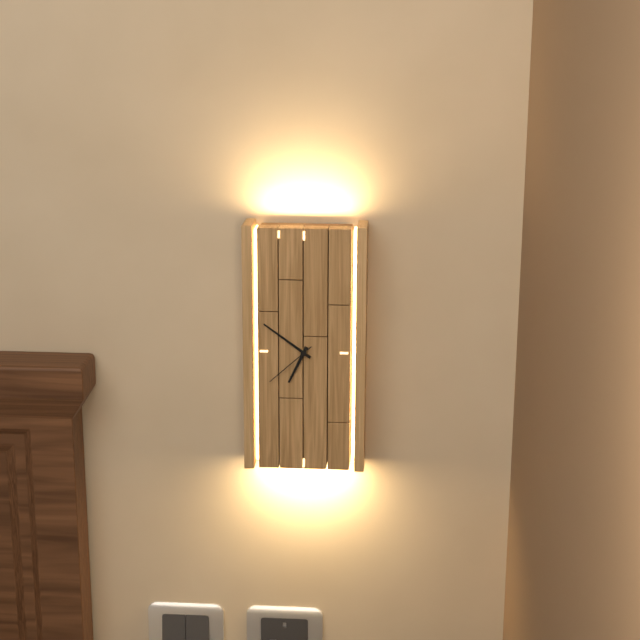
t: 6:51:38
